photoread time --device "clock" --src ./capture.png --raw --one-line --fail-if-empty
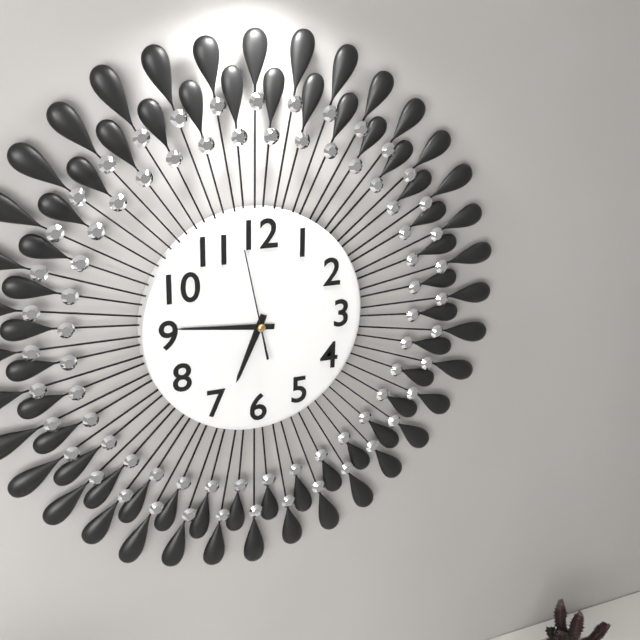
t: 6:46:58
